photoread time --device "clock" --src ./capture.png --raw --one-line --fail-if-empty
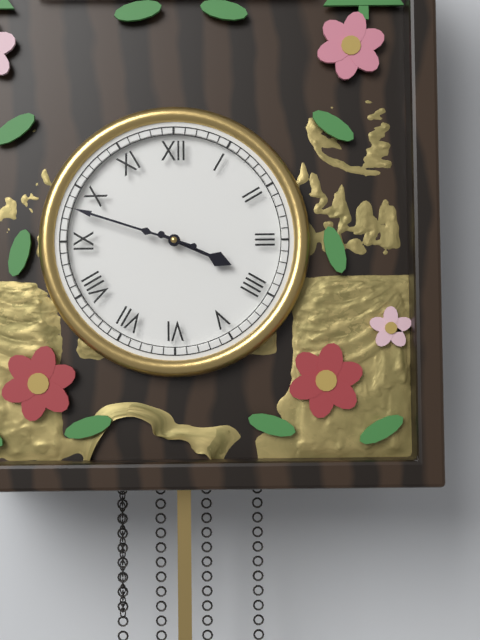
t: 3:48
